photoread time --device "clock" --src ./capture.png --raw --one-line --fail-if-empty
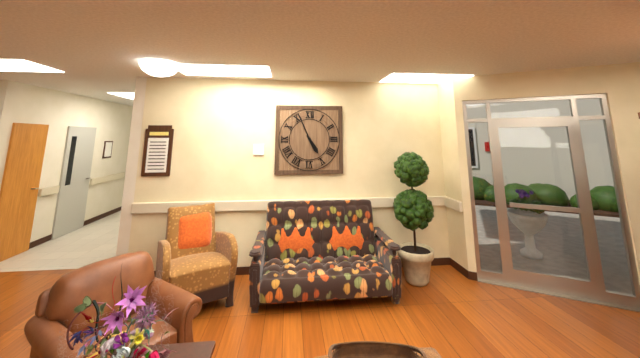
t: 4:56
